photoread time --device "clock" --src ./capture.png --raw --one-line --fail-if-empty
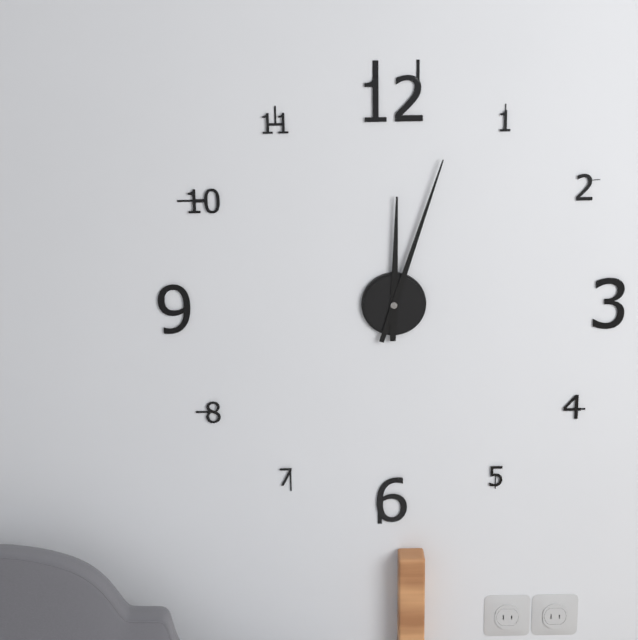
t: 12:03
